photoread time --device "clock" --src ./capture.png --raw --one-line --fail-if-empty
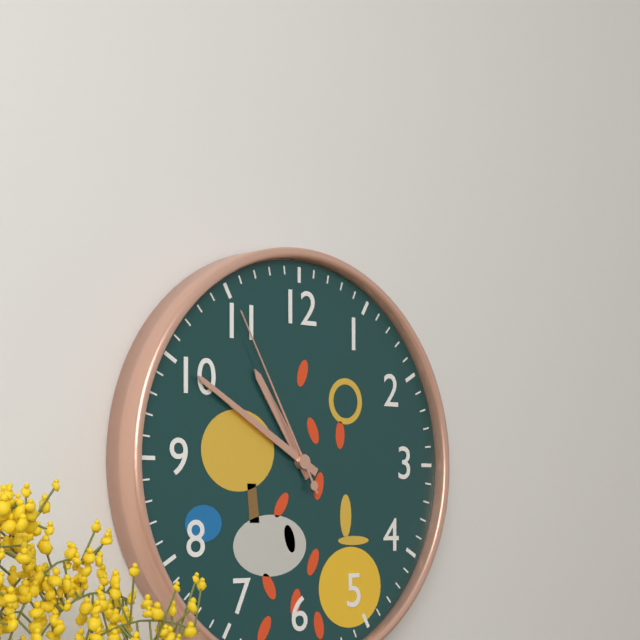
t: 10:50:55
